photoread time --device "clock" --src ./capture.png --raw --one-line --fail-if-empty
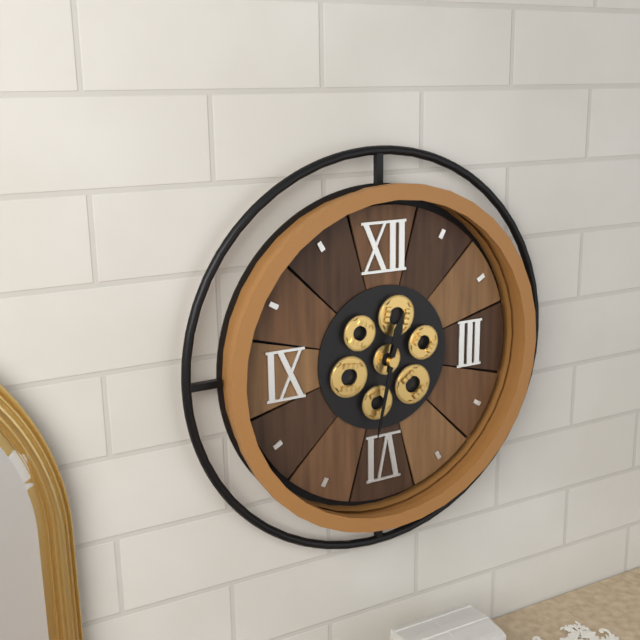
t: 12:32
